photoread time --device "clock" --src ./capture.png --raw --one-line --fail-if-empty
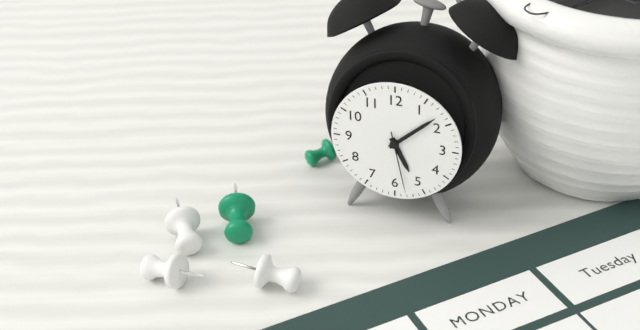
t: 5:08:28
